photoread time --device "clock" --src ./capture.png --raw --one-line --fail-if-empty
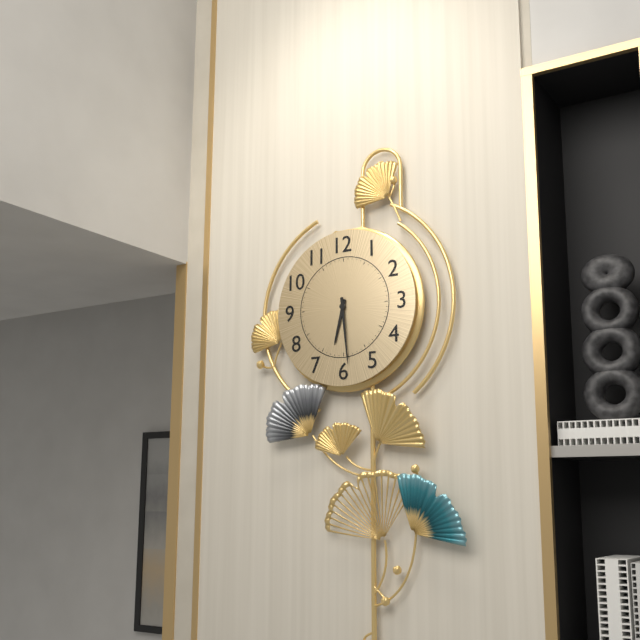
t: 6:29
